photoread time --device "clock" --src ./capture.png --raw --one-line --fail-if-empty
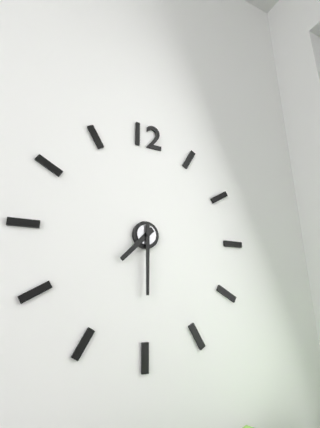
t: 7:30
